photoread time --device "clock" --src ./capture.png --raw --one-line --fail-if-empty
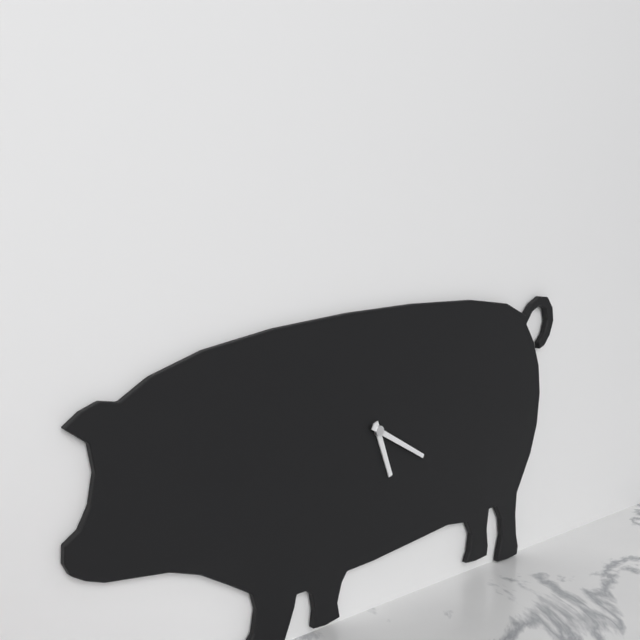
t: 5:20
